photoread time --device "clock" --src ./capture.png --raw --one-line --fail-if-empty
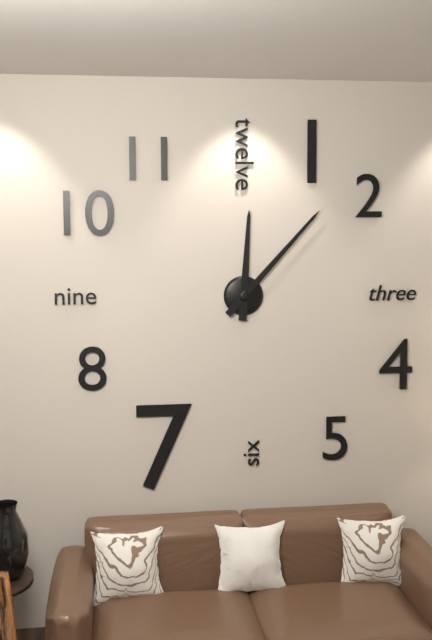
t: 12:07
